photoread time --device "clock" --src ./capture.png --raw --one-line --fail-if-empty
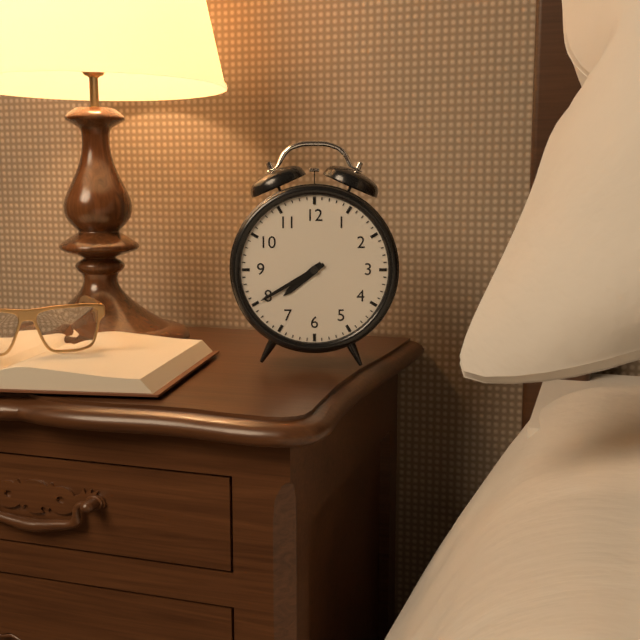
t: 7:40
